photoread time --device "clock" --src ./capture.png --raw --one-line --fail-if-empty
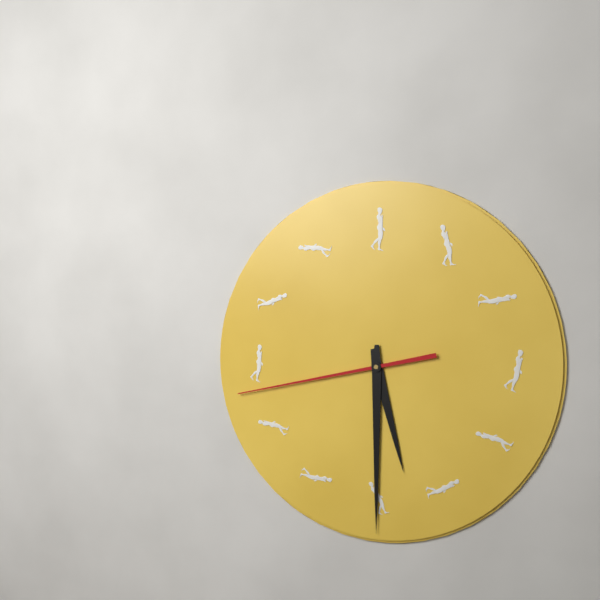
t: 5:30:43
